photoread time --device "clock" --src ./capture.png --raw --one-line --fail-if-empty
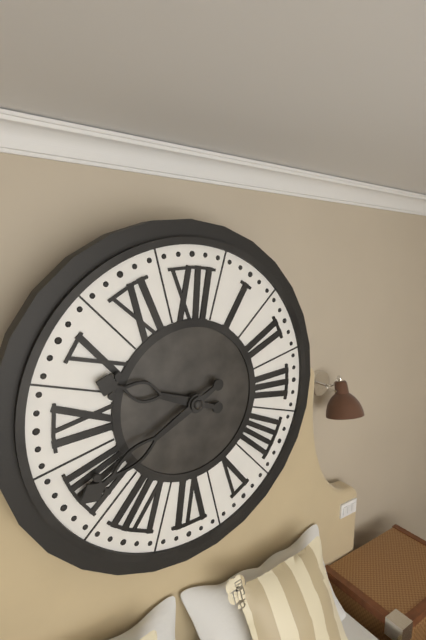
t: 9:40
